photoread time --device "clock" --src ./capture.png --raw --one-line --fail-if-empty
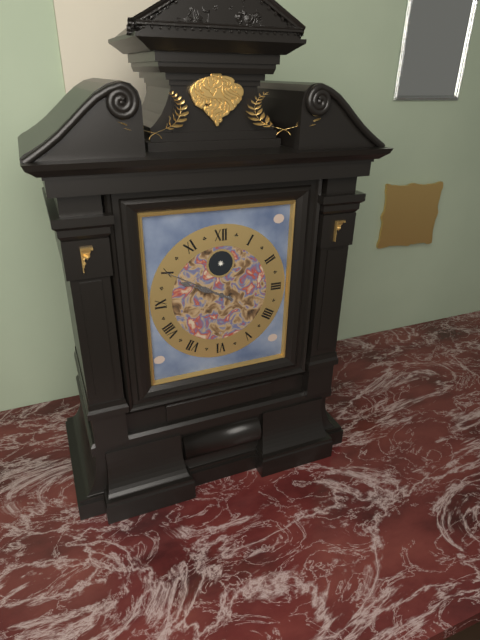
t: 9:50
